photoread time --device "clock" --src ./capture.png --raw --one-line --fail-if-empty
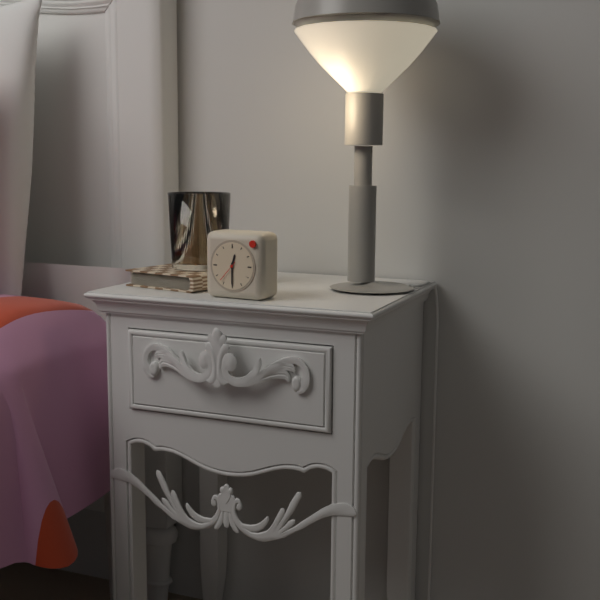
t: 12:30
